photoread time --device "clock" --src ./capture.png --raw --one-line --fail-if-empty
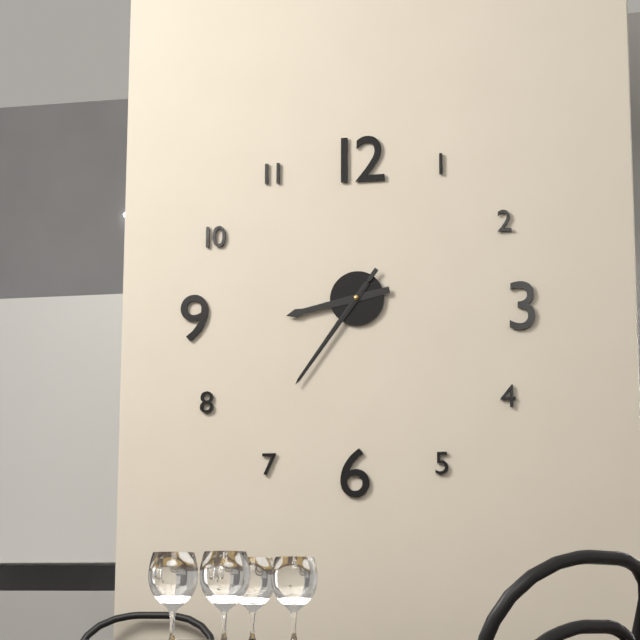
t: 8:36:36
